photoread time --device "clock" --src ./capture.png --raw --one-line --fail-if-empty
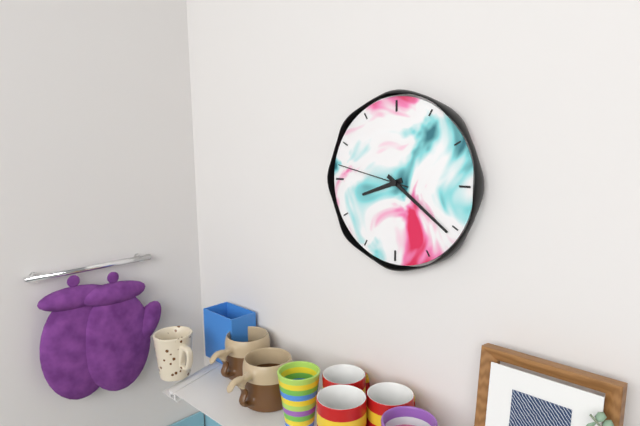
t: 8:21:47
